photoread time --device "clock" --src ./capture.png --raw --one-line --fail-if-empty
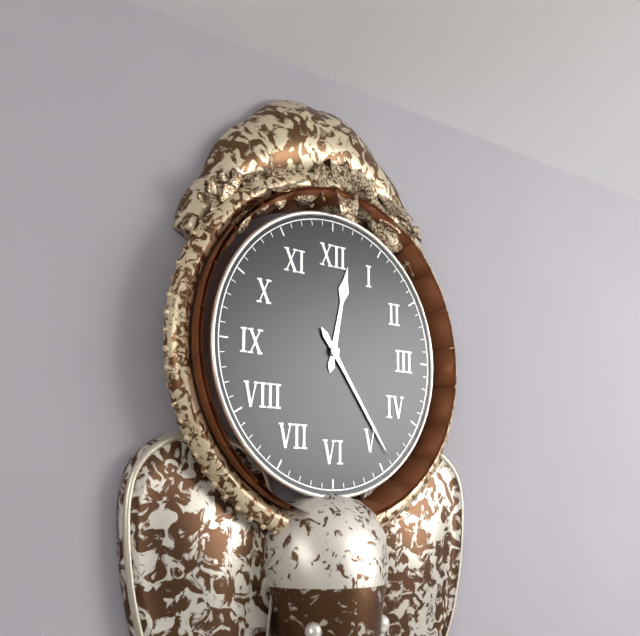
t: 12:24
